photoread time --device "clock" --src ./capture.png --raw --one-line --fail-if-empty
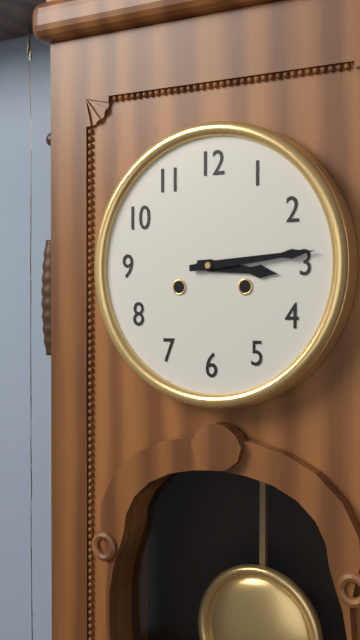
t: 3:14
